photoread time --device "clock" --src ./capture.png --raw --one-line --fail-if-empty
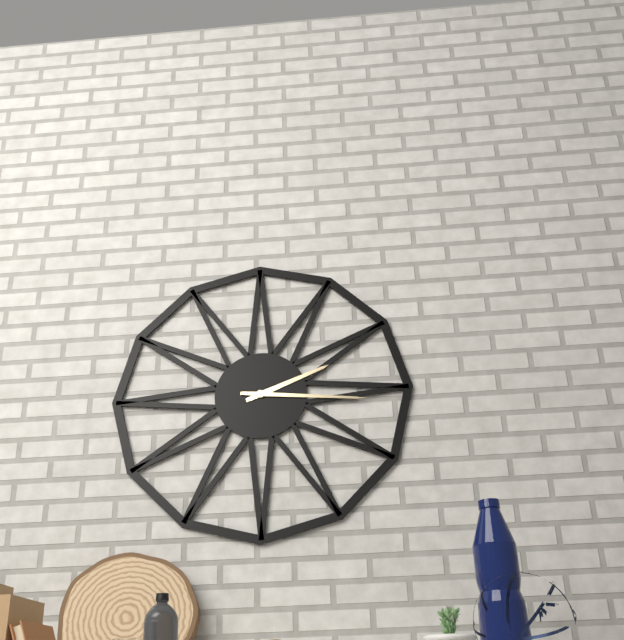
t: 2:16
